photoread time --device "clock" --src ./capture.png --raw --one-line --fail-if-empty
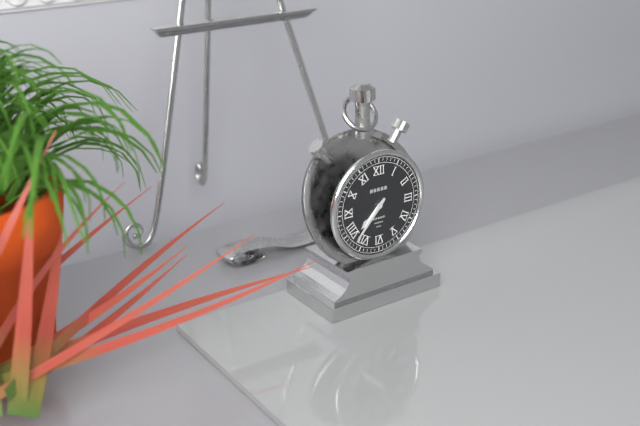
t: 7:37
